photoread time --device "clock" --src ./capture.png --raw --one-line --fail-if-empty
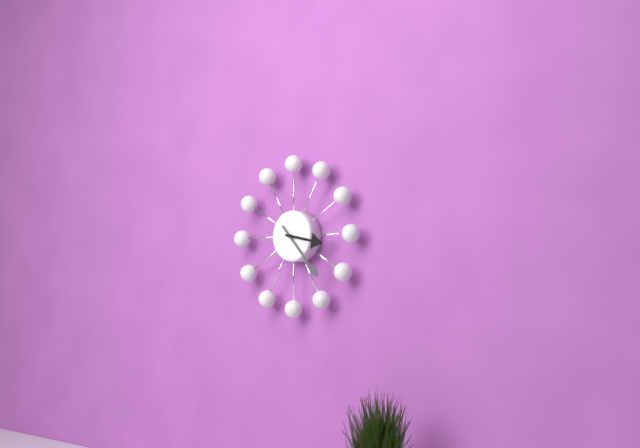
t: 3:23
